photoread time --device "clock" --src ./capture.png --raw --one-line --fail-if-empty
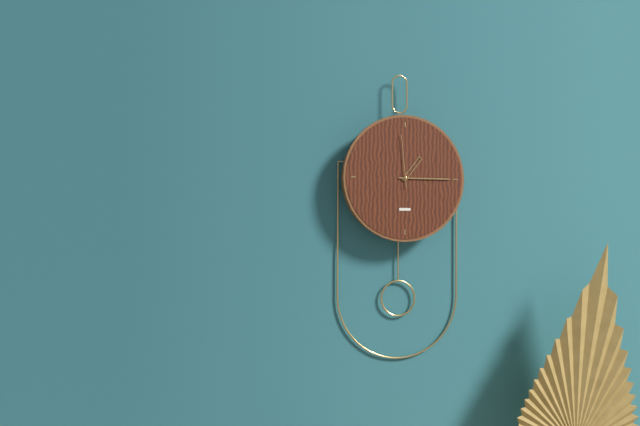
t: 1:15:59
